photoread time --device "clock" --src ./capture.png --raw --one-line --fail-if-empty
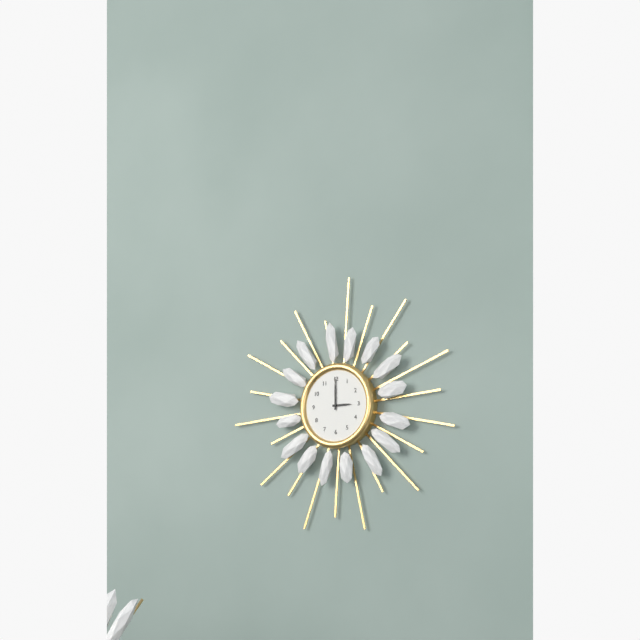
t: 3:00
